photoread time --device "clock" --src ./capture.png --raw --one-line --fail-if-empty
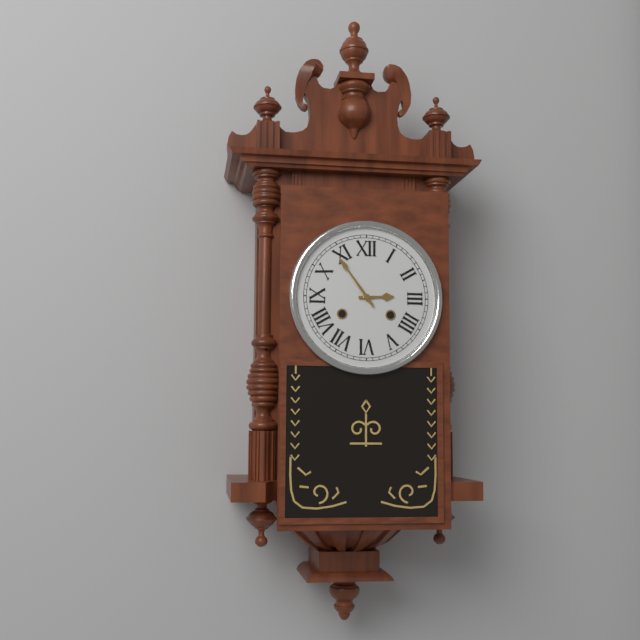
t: 2:54
